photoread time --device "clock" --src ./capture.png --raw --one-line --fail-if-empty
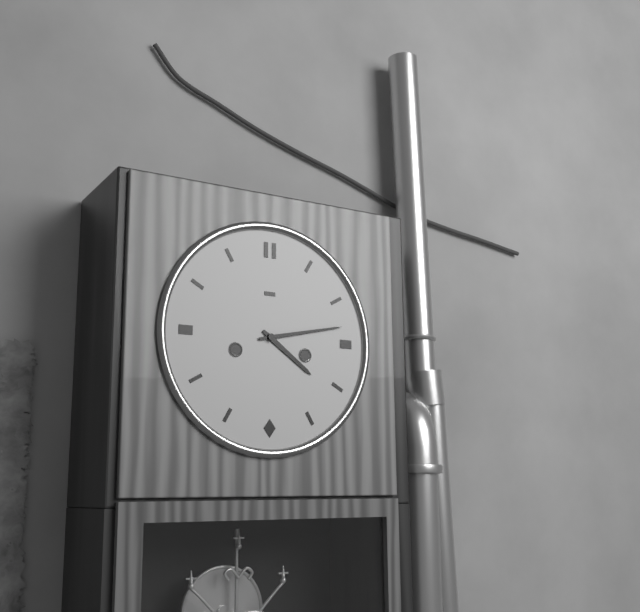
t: 4:13
